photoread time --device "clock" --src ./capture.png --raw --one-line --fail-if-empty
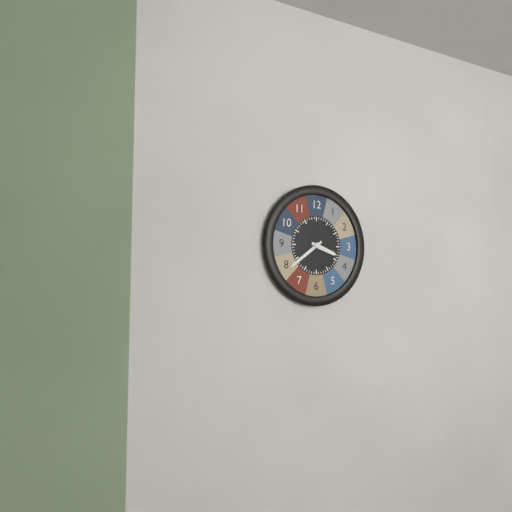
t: 3:39
